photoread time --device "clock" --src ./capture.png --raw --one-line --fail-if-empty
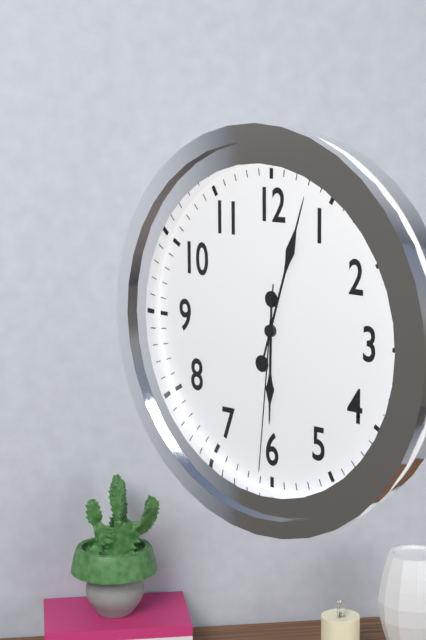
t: 6:03:31
